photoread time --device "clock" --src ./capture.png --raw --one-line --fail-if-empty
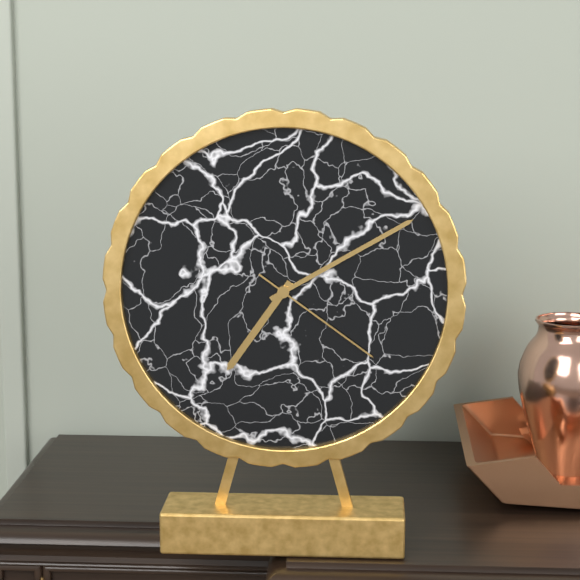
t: 7:10:21
